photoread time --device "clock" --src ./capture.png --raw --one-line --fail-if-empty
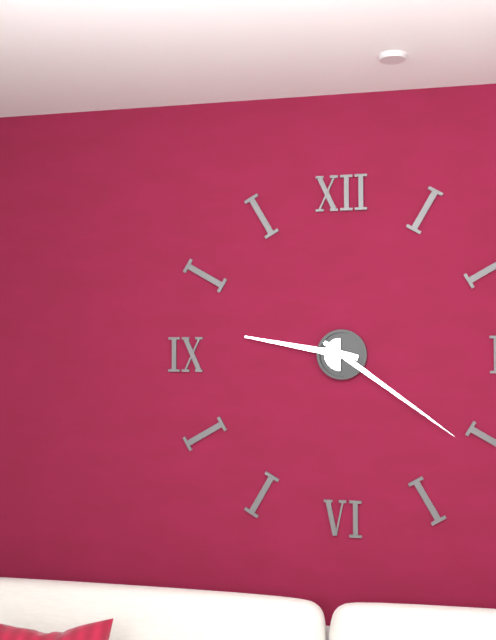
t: 9:21
